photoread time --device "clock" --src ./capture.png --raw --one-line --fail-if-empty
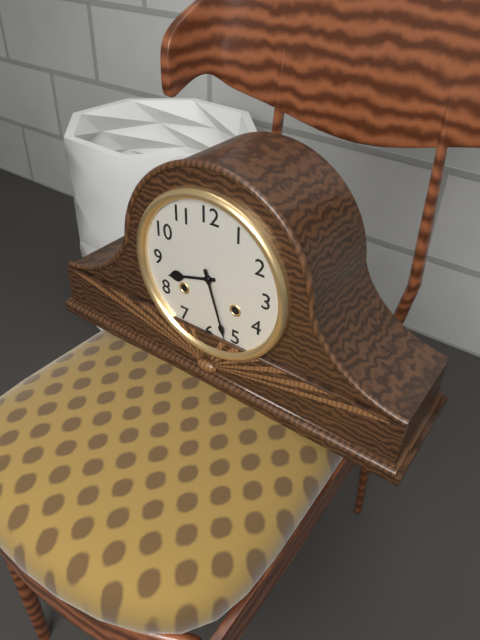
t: 8:27
